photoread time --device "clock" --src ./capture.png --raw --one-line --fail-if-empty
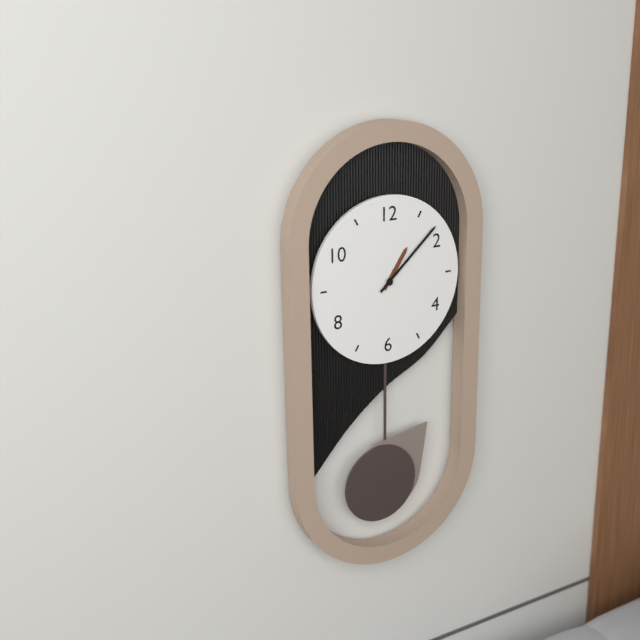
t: 1:08
